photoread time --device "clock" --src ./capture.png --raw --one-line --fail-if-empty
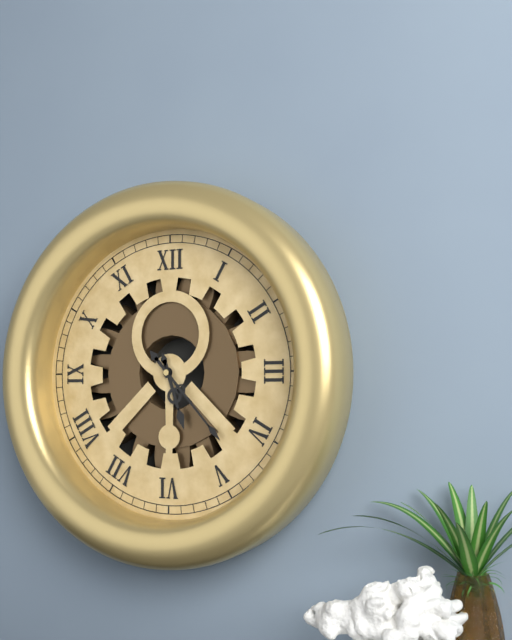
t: 5:23
